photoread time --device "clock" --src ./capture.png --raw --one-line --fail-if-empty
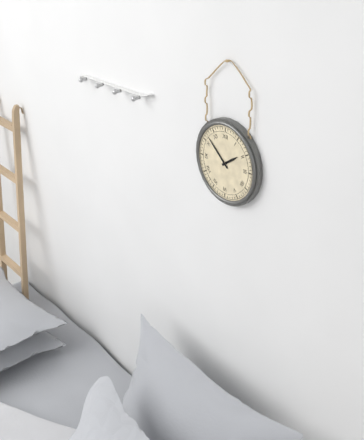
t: 1:52
